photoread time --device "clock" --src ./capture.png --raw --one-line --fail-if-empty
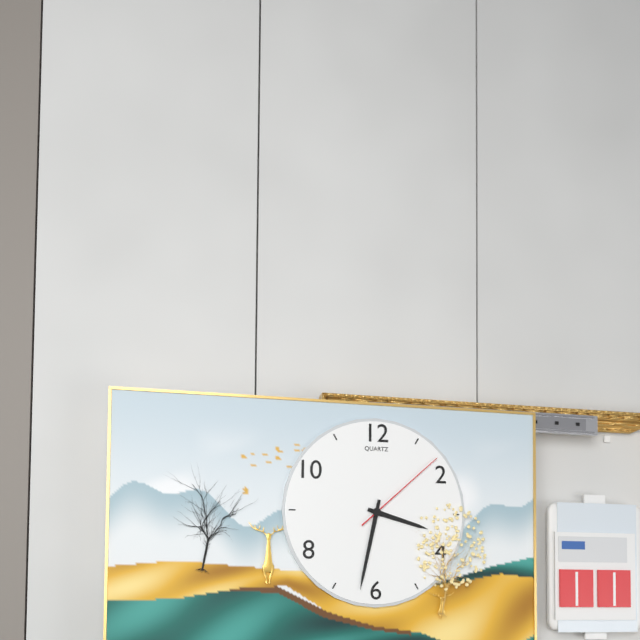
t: 3:32:08
